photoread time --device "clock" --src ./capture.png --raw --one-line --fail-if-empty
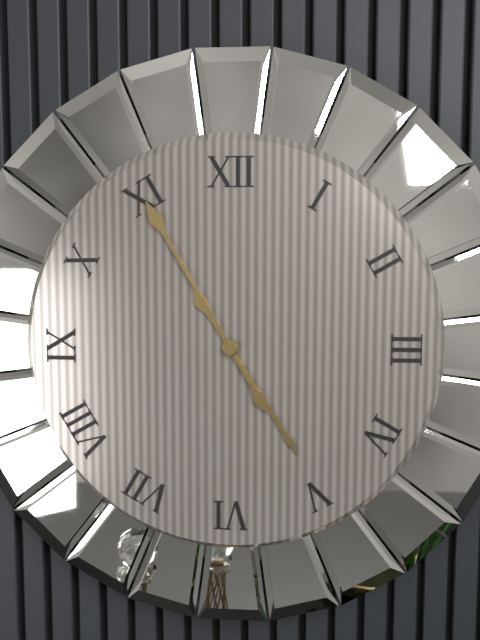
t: 4:55
